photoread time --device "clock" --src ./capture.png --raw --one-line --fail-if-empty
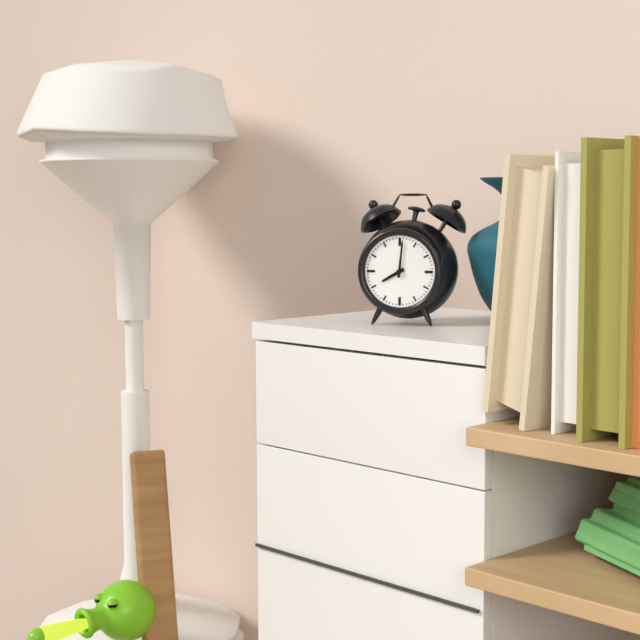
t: 8:01
